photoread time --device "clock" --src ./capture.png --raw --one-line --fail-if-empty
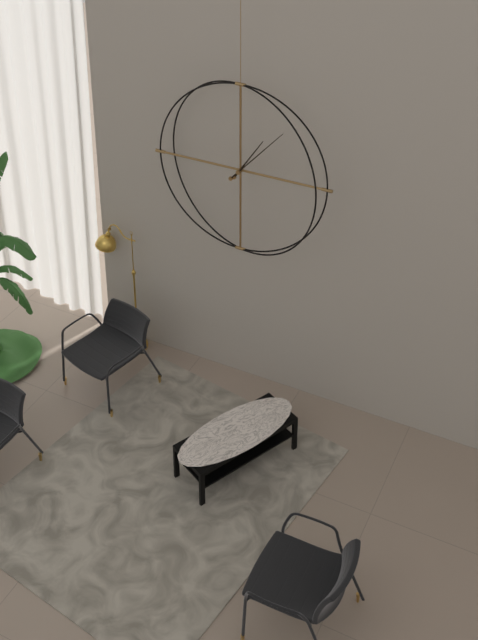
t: 1:07
